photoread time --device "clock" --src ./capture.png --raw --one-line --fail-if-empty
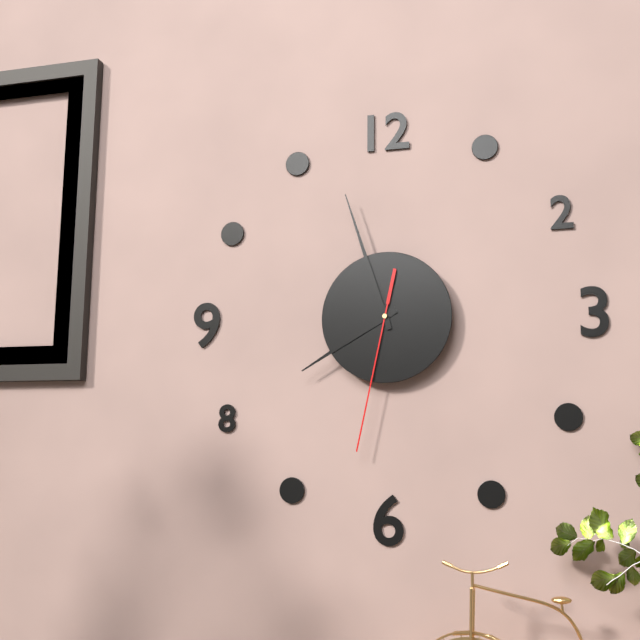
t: 7:57:32
